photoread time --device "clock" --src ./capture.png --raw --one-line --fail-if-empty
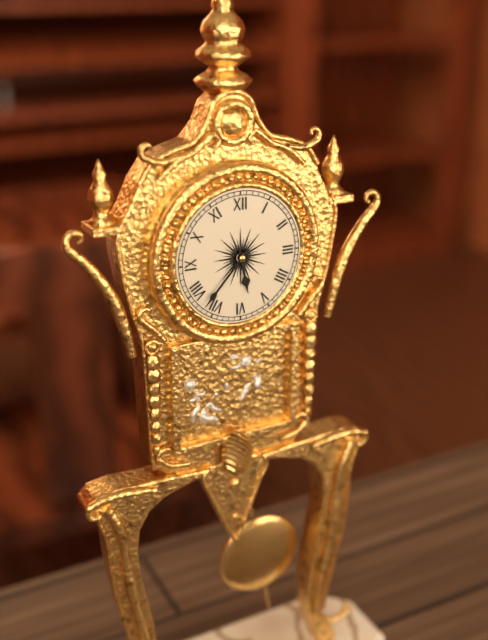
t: 5:37
